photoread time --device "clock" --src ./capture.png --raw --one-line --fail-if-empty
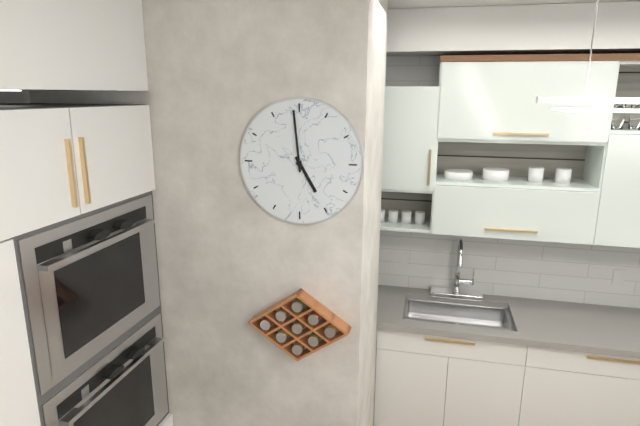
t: 4:59
